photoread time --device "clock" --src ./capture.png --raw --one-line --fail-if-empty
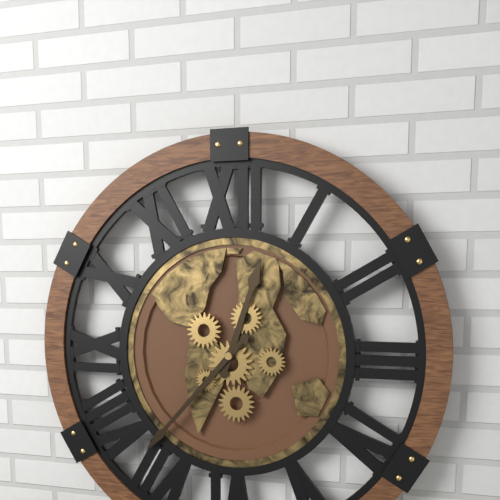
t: 12:37
